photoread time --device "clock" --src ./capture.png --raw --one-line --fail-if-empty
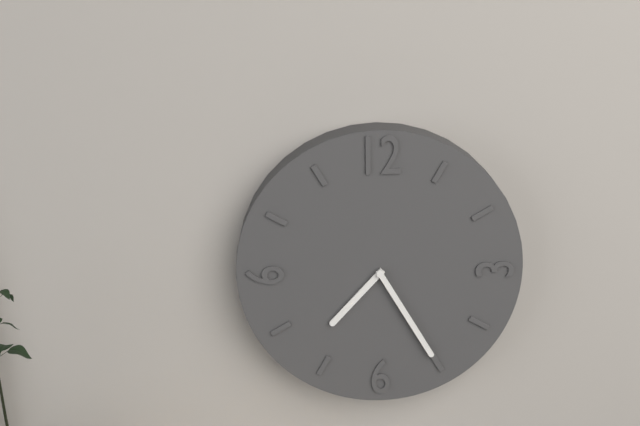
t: 7:25
